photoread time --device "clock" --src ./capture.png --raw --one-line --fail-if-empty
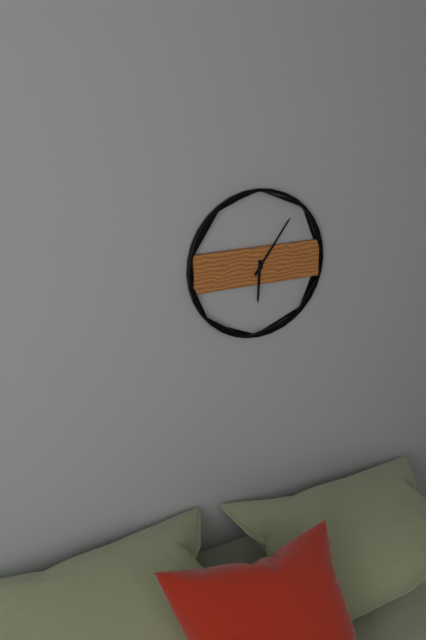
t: 6:06
